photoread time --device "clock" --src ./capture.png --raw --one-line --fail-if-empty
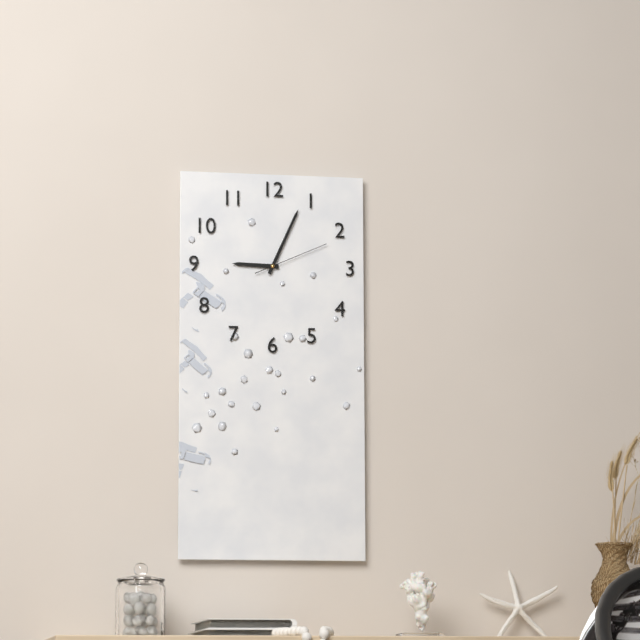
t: 9:04:11
